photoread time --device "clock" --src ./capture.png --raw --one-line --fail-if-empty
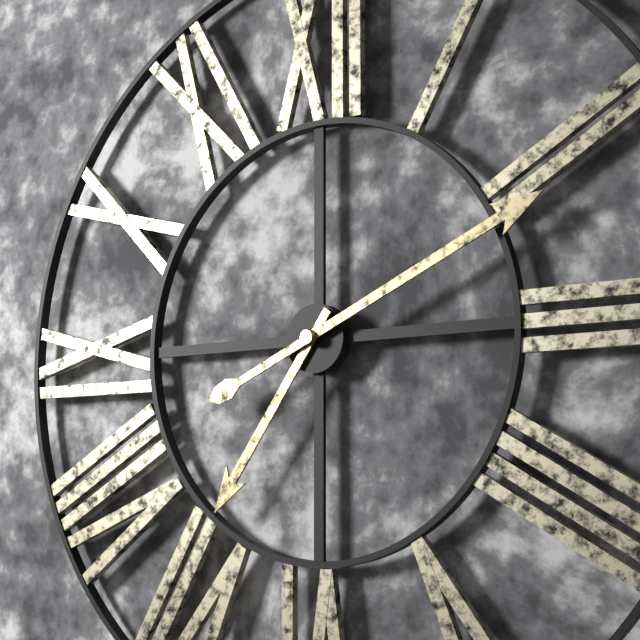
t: 7:11
